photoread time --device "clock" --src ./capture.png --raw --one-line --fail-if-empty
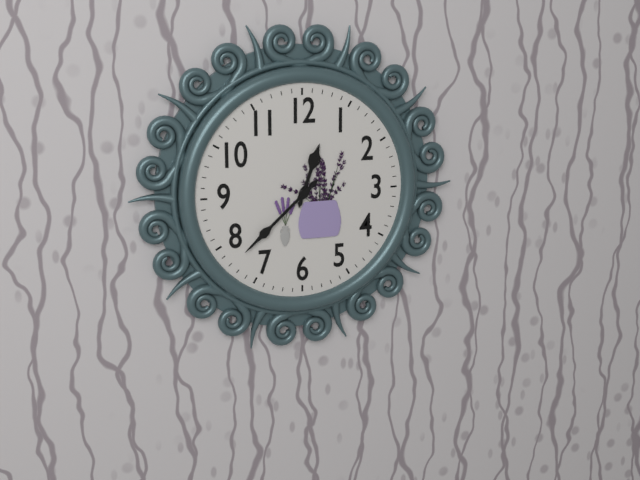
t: 12:38
